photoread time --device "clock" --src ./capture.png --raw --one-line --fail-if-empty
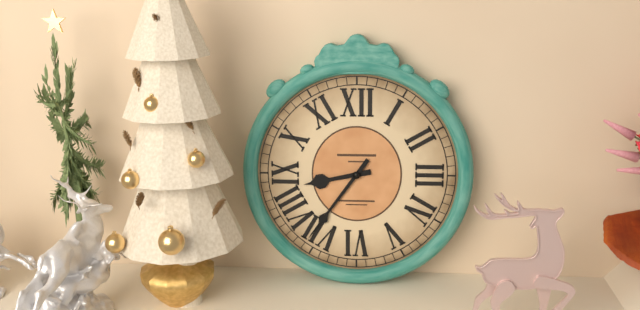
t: 8:36
